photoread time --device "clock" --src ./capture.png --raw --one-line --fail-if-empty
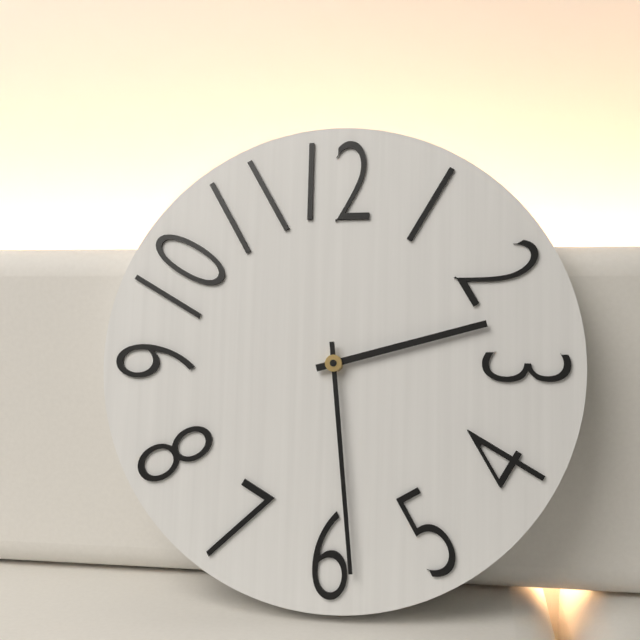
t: 2:29
